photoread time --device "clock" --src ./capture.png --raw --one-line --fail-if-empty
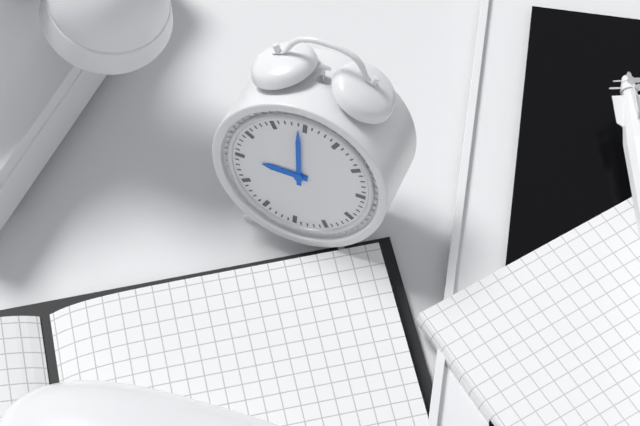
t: 8:59
